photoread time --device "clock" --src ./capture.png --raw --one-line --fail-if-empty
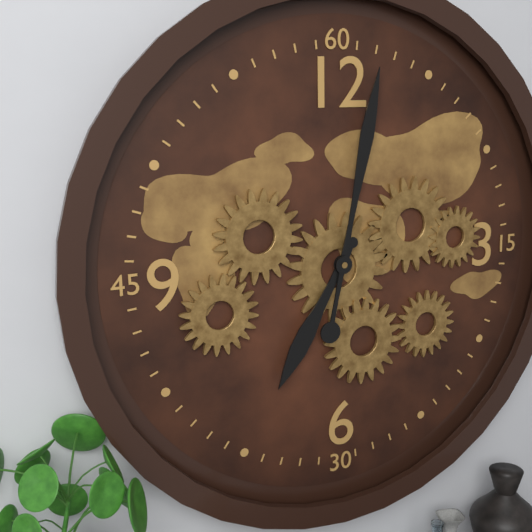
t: 7:02
